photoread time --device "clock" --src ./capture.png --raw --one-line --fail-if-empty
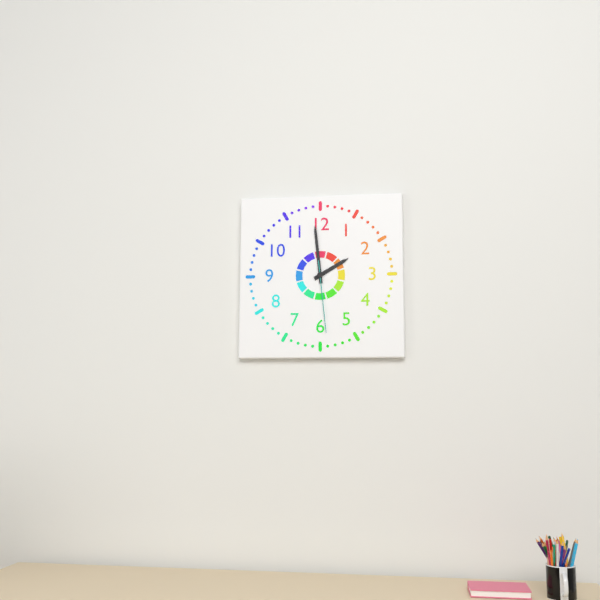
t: 1:59:29
